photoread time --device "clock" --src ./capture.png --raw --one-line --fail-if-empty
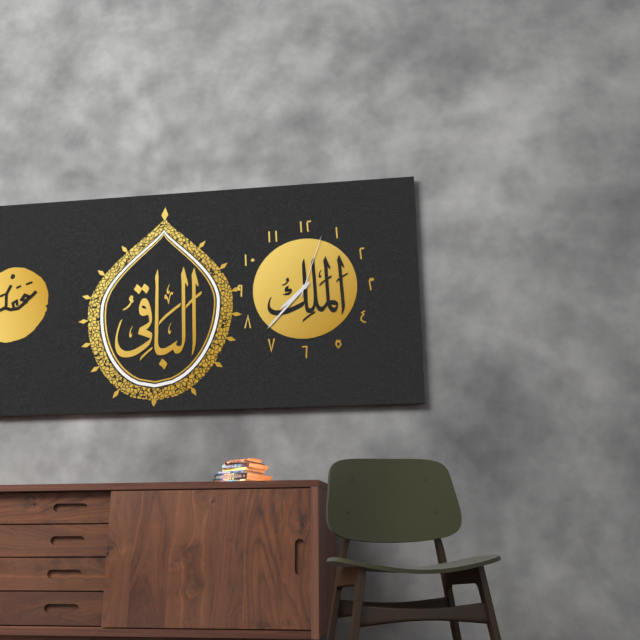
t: 7:37:03
